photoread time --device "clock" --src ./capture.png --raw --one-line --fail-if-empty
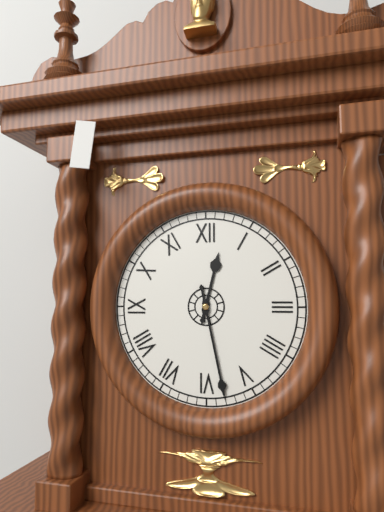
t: 12:28
